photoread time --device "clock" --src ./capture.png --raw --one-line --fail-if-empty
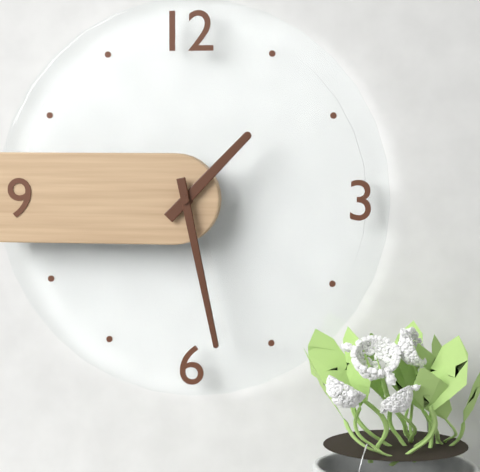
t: 1:28
